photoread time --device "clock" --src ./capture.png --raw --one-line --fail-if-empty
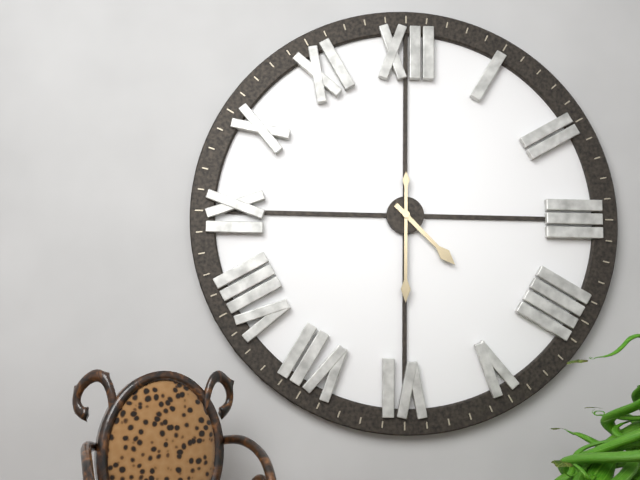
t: 4:30
